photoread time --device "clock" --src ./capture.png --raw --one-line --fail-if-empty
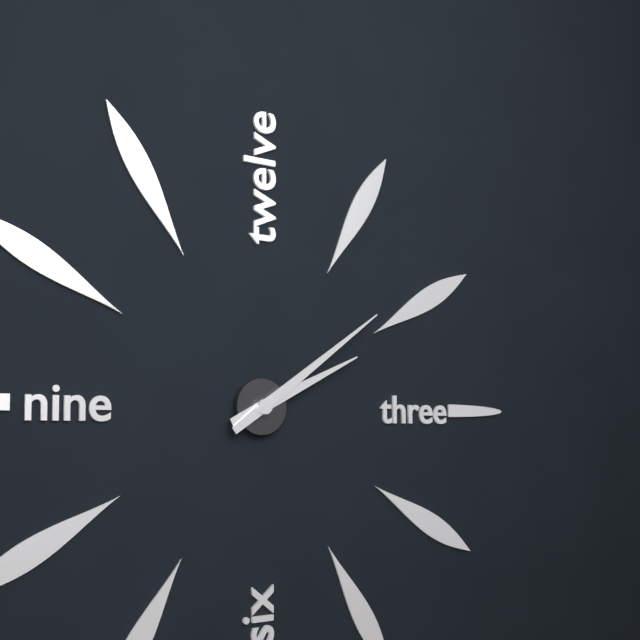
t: 2:09
